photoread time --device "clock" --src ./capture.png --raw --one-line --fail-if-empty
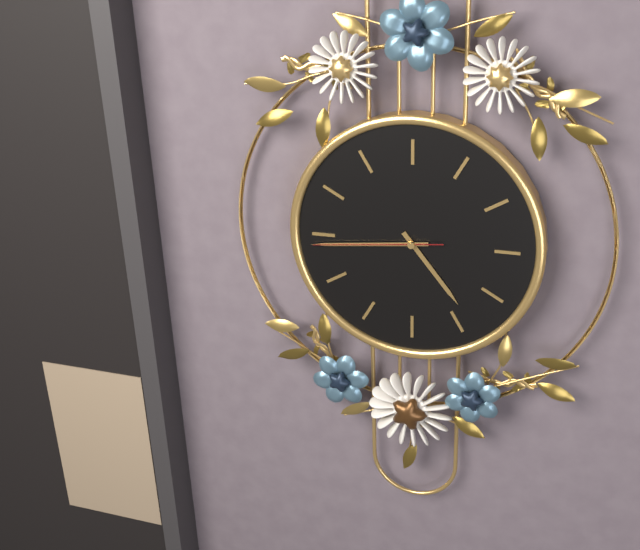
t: 4:44:44
